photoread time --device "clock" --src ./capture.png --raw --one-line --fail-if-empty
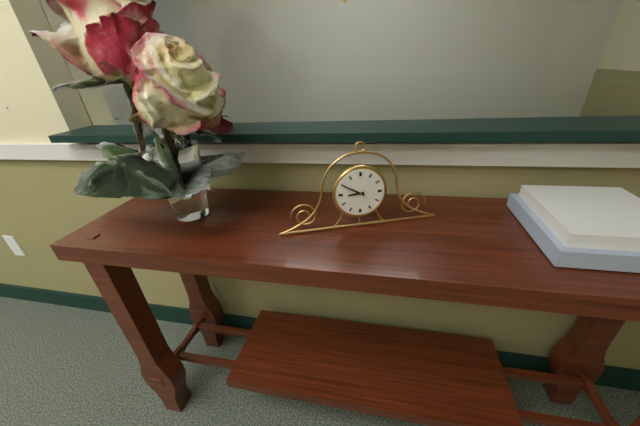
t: 8:50
